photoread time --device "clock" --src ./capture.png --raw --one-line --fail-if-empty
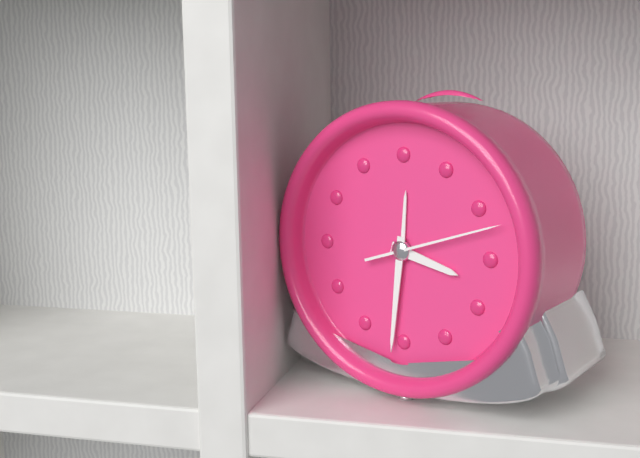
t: 3:31:12
